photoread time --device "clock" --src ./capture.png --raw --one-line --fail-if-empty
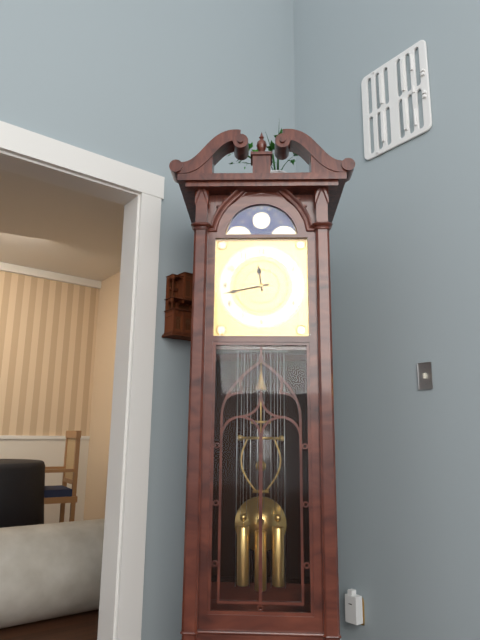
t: 11:43
